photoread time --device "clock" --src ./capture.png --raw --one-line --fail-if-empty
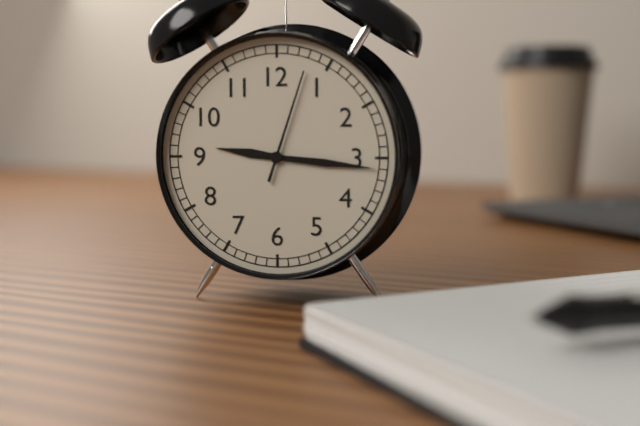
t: 9:16:03
